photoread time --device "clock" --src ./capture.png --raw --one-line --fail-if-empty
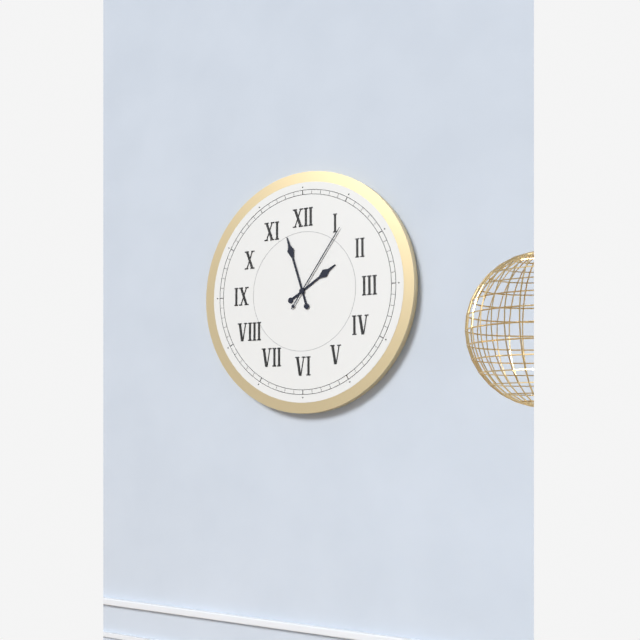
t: 1:57:06
